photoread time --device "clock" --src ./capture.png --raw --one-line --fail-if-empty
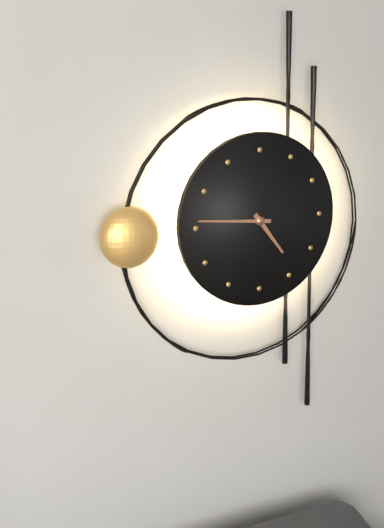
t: 4:46
